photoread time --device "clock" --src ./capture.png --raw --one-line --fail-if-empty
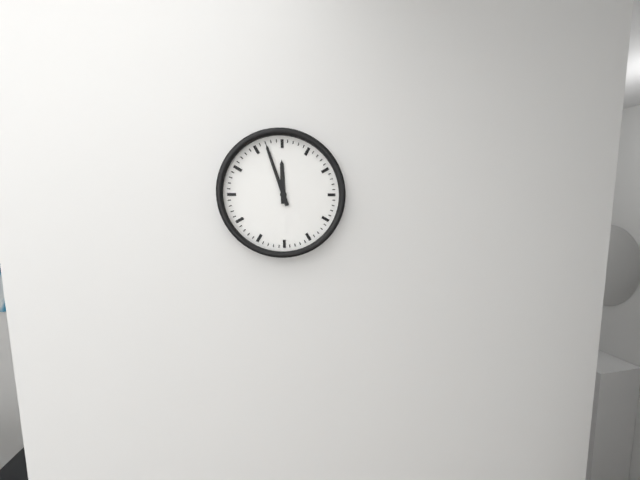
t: 11:57
